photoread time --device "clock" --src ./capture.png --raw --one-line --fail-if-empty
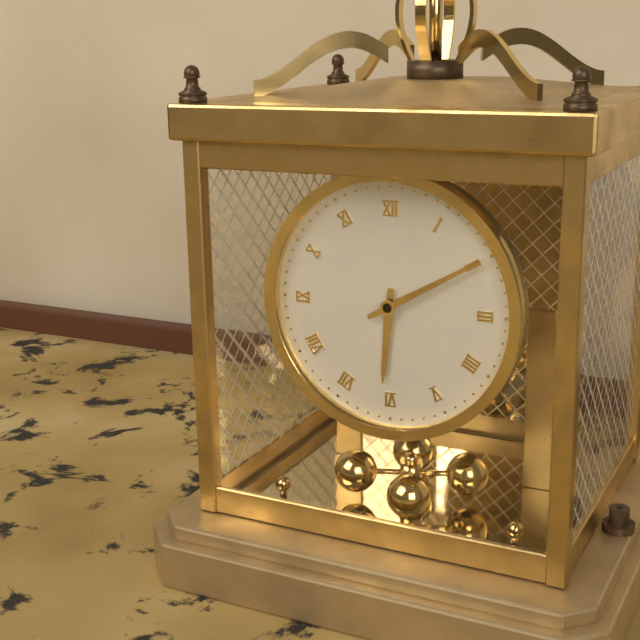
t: 6:10
